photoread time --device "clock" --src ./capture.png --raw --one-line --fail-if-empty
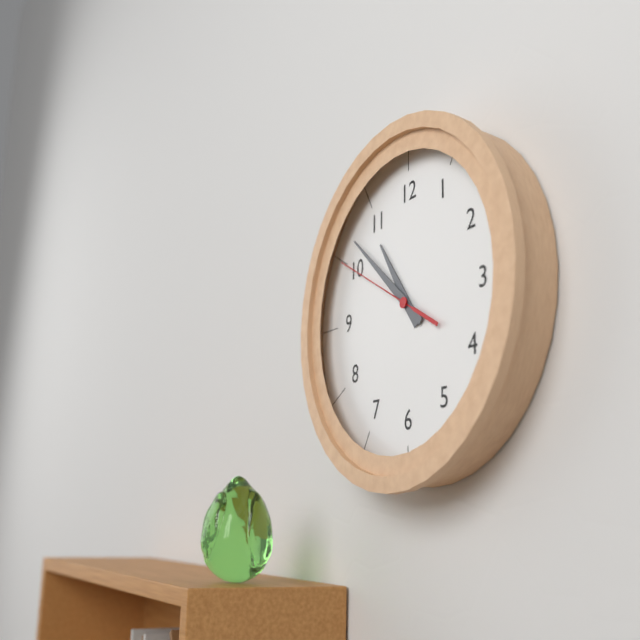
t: 10:52:50
